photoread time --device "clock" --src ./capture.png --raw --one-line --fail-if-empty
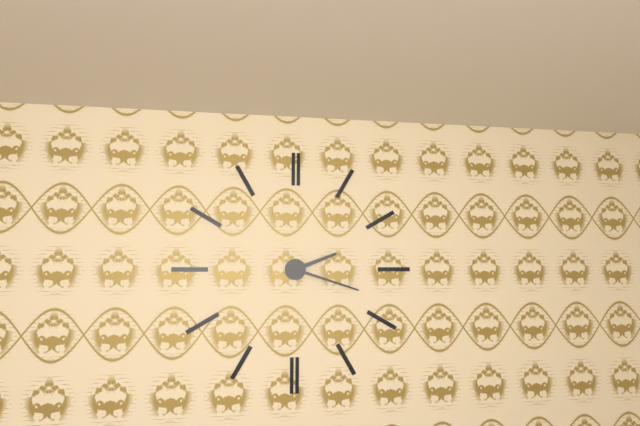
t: 2:18
